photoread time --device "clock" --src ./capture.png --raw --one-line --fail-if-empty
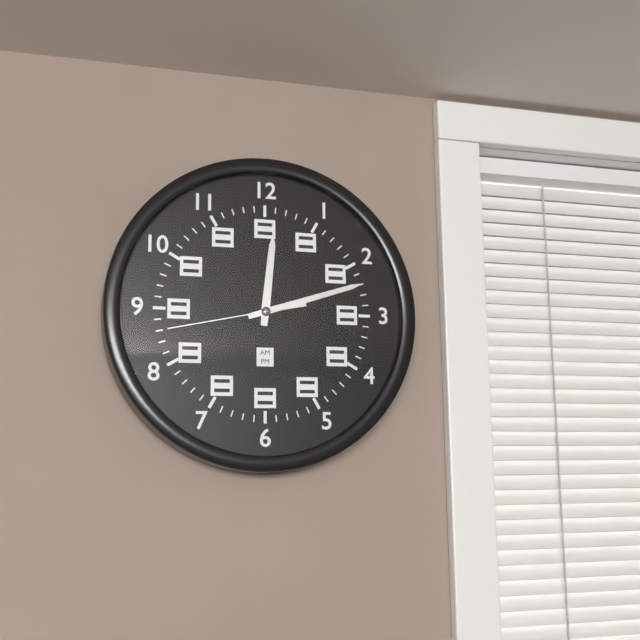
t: 12:12:43
